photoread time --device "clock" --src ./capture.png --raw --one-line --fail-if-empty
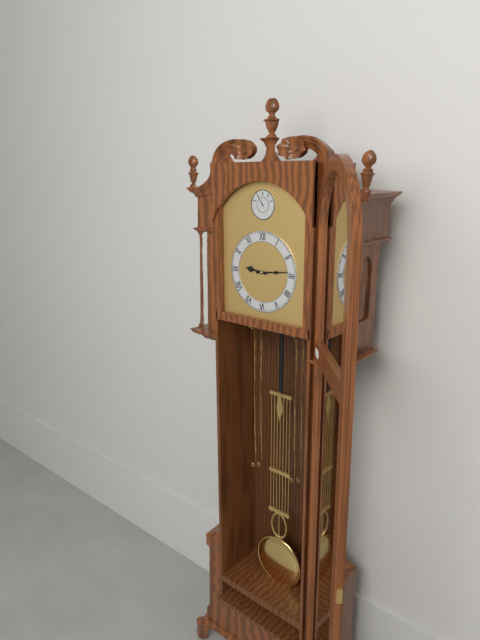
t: 9:14
